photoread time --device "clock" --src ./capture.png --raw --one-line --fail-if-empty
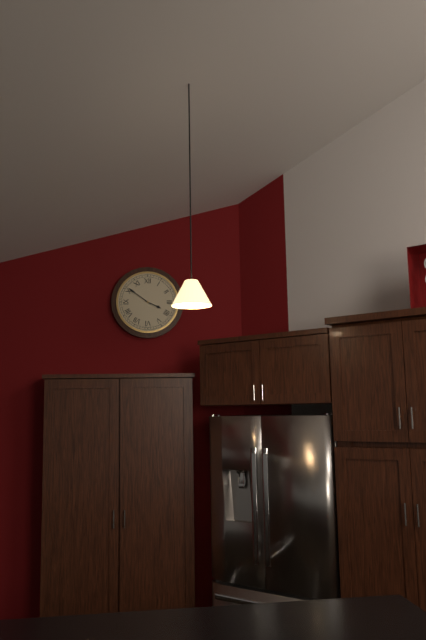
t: 3:51
